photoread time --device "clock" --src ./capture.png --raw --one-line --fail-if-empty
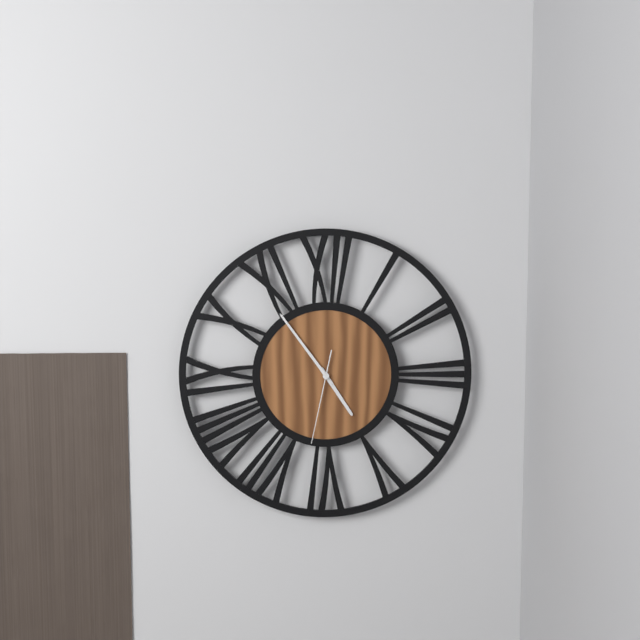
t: 4:54:32
